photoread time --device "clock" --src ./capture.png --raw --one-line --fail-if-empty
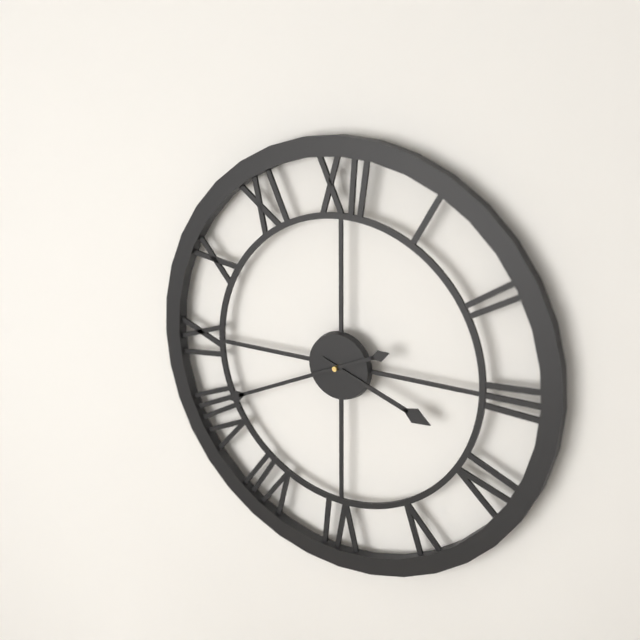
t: 3:41
